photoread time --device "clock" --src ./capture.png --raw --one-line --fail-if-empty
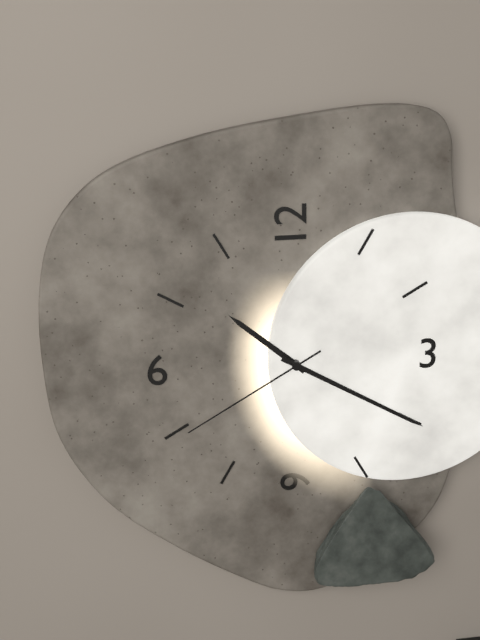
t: 10:20:40
